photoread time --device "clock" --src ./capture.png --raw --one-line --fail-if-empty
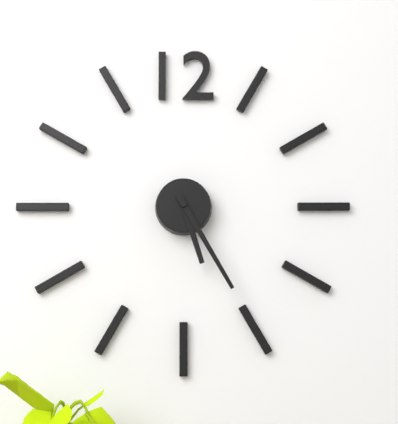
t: 5:25
